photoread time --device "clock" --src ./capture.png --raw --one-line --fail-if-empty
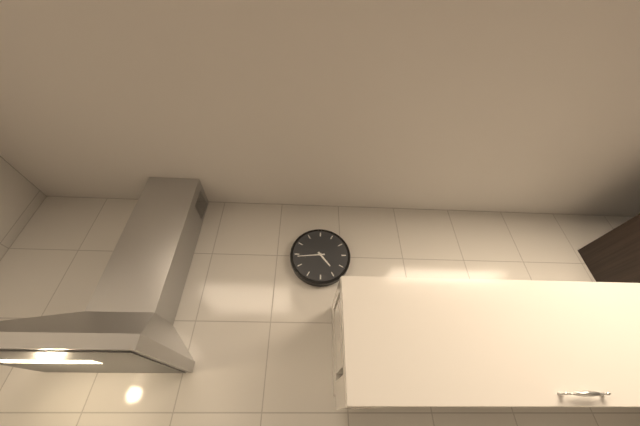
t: 4:44
